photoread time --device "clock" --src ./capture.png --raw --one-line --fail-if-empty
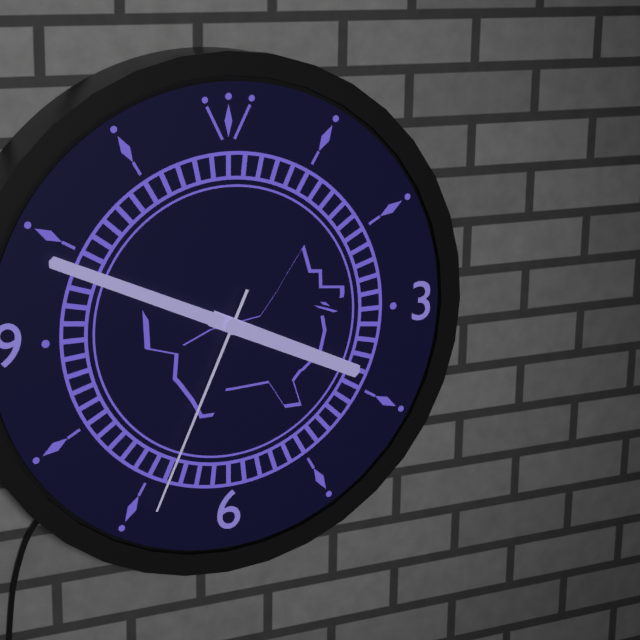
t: 3:49:34
